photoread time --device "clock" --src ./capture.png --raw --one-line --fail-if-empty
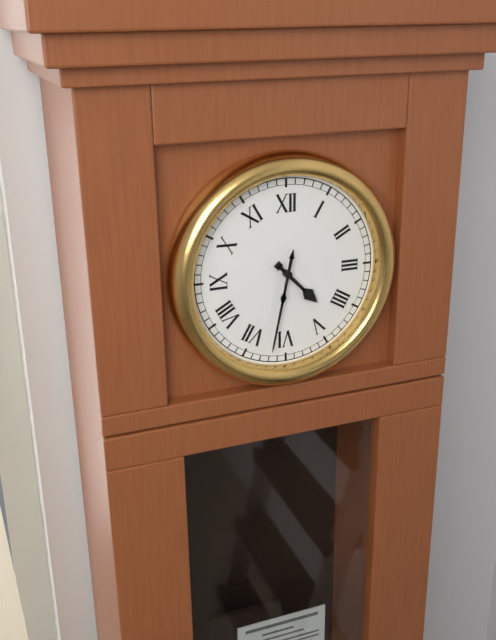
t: 4:32
